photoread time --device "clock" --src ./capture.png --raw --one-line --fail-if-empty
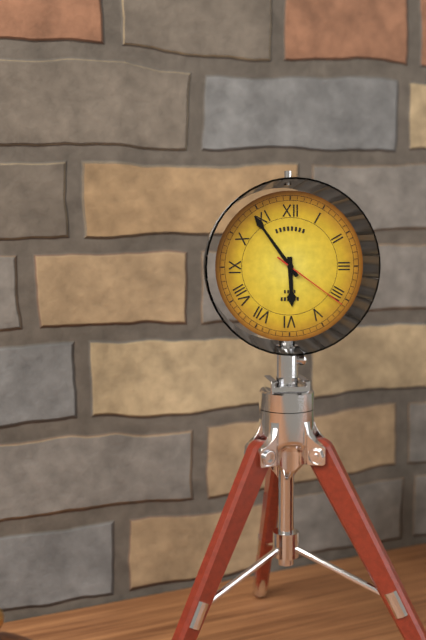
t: 5:54:21
